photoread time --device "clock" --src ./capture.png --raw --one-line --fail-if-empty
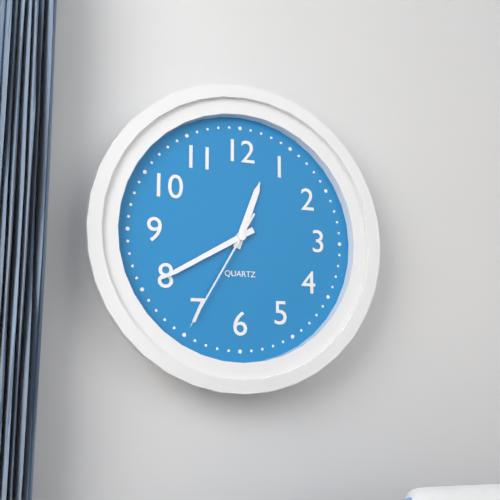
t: 12:40:35
